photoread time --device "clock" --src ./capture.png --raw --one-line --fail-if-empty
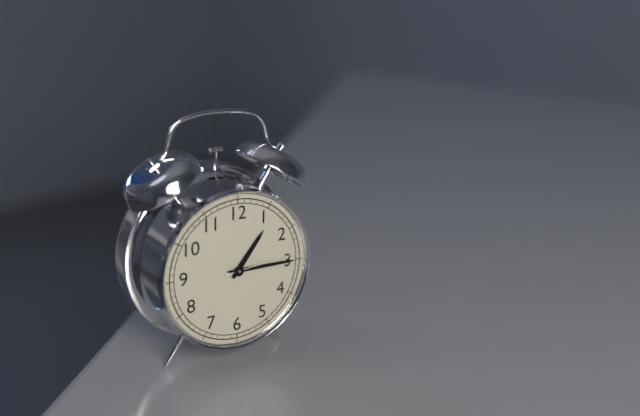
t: 1:15:14
